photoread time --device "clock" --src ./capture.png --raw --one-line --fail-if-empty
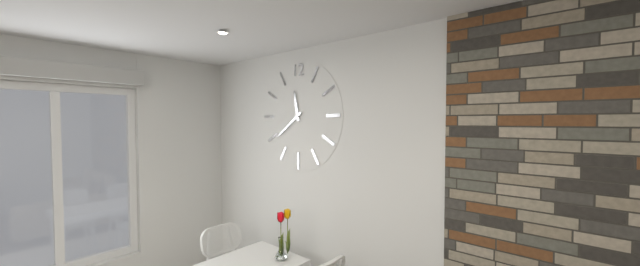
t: 11:39
